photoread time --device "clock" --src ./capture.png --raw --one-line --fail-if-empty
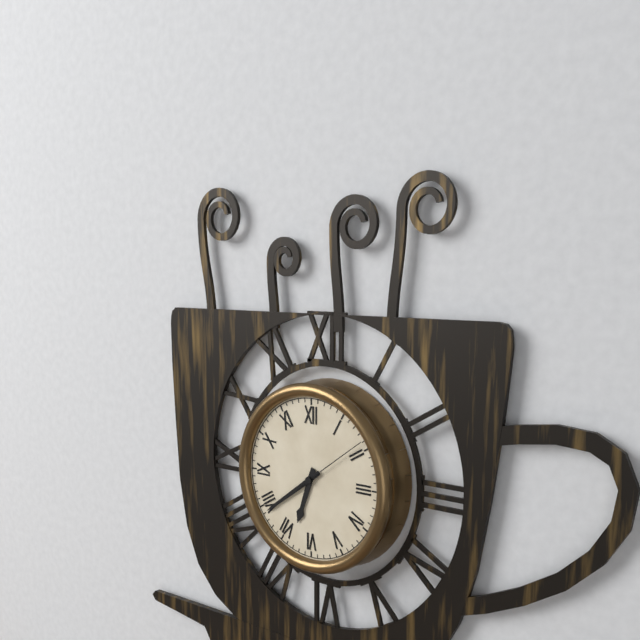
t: 6:39:09
